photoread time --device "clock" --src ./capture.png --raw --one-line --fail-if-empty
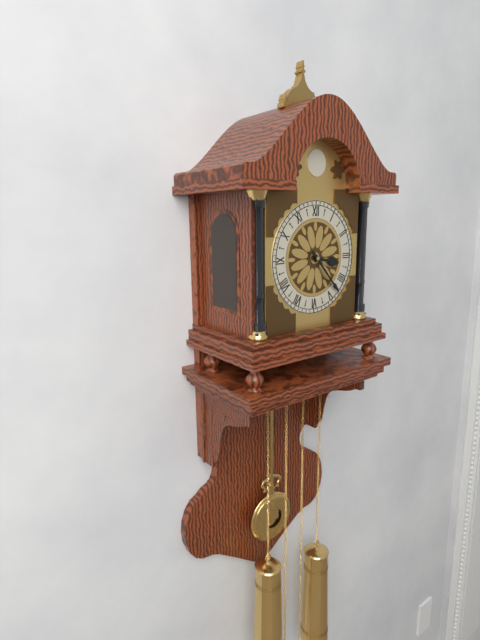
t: 3:23
